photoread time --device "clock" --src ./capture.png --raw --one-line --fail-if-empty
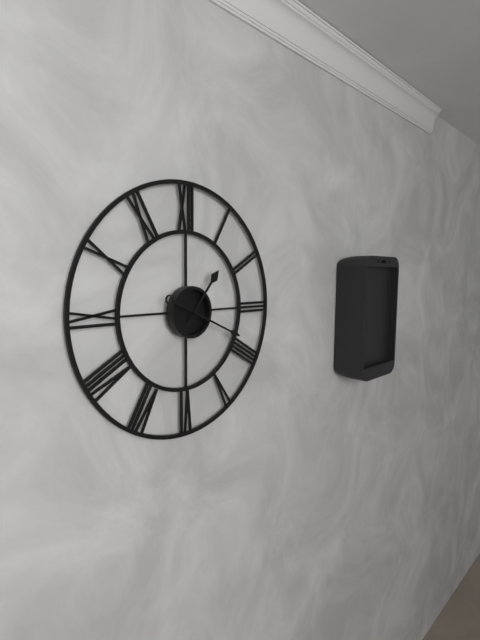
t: 1:19
